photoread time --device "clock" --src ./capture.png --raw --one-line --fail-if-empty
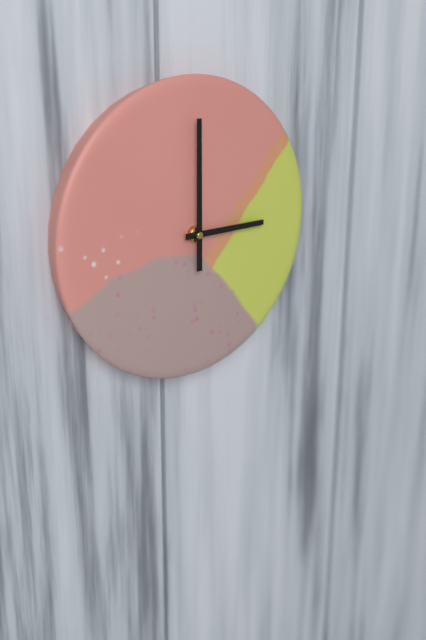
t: 3:00
